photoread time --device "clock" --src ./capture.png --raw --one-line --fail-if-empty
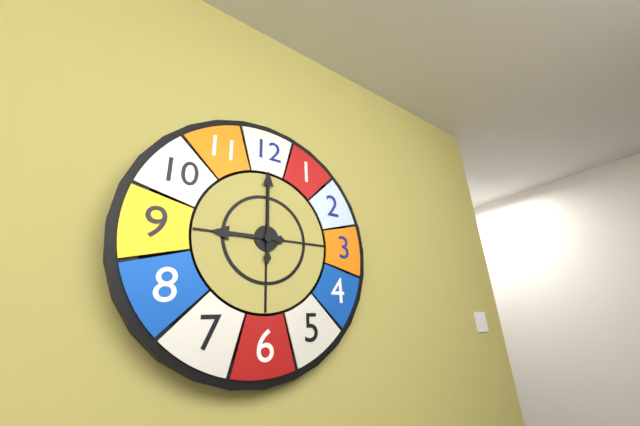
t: 9:00
